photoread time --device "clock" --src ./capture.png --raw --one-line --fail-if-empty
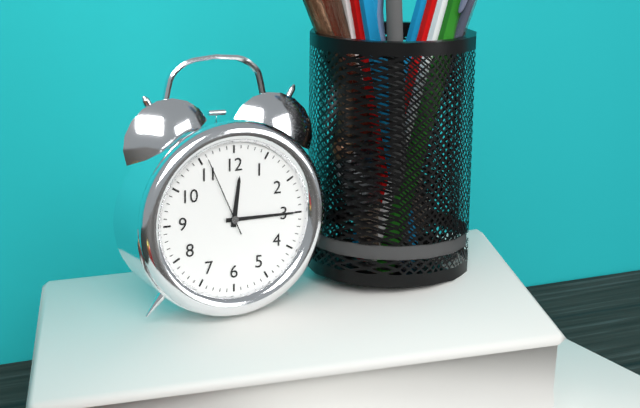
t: 12:15:56
